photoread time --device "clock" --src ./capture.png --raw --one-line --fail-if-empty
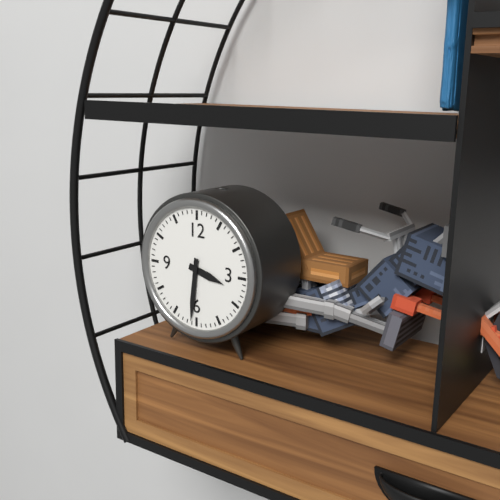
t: 3:31
